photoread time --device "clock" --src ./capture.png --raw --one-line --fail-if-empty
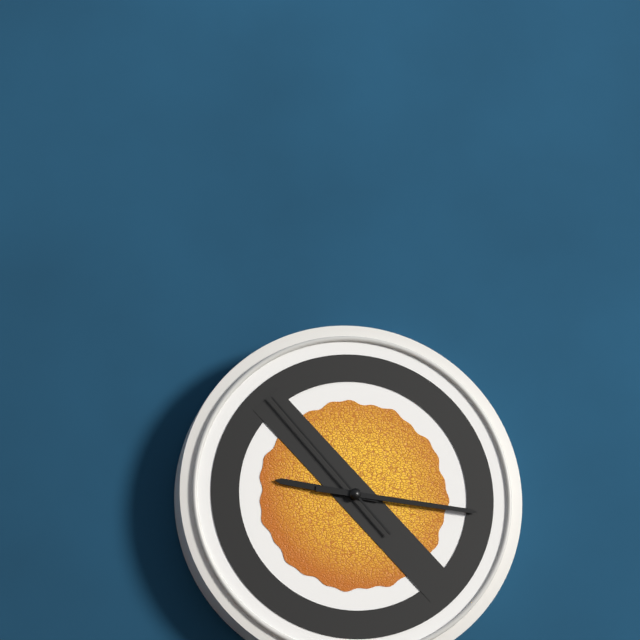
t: 9:16:53
